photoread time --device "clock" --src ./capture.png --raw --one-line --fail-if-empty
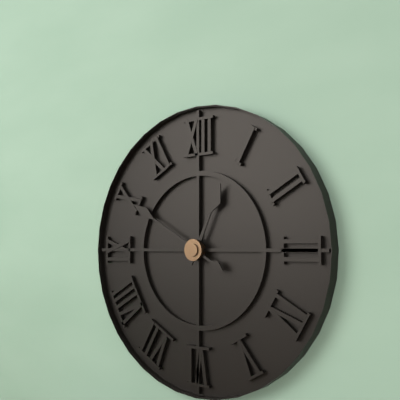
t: 12:50
